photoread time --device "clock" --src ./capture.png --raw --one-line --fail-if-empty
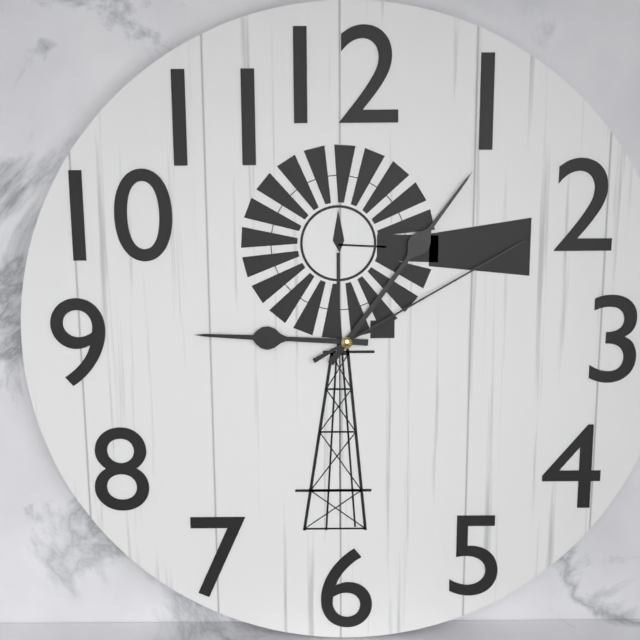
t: 9:06:10
